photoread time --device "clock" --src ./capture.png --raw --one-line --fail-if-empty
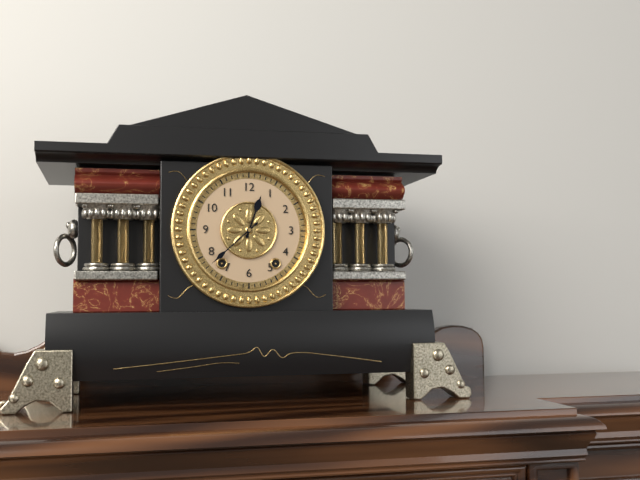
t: 12:38
